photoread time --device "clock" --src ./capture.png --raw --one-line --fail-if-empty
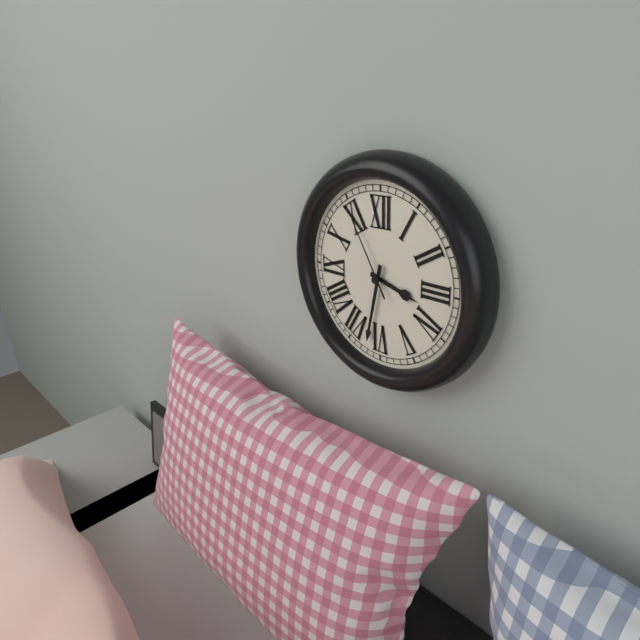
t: 3:32:55
